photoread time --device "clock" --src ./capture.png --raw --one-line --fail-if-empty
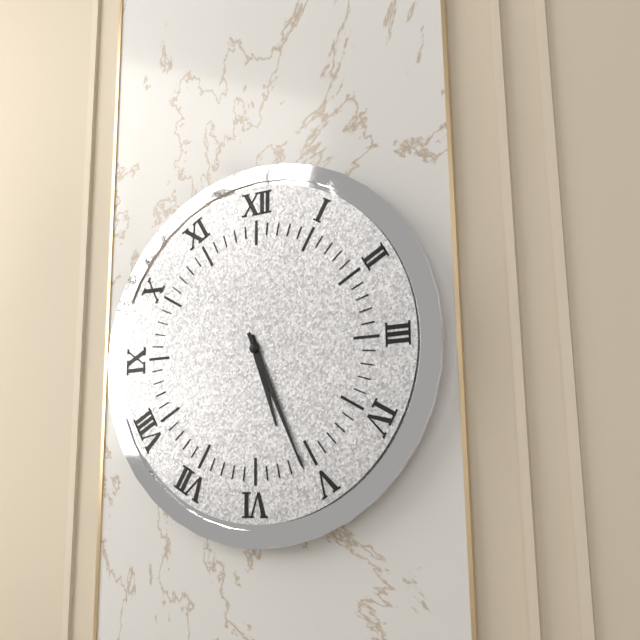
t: 5:26
